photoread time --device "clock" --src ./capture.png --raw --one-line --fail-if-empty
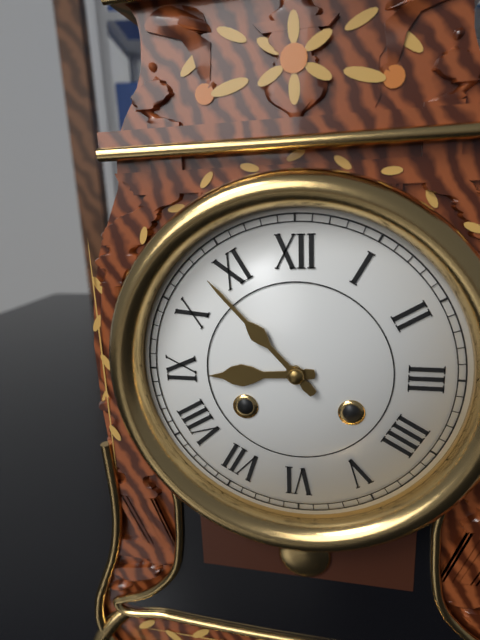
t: 8:53
